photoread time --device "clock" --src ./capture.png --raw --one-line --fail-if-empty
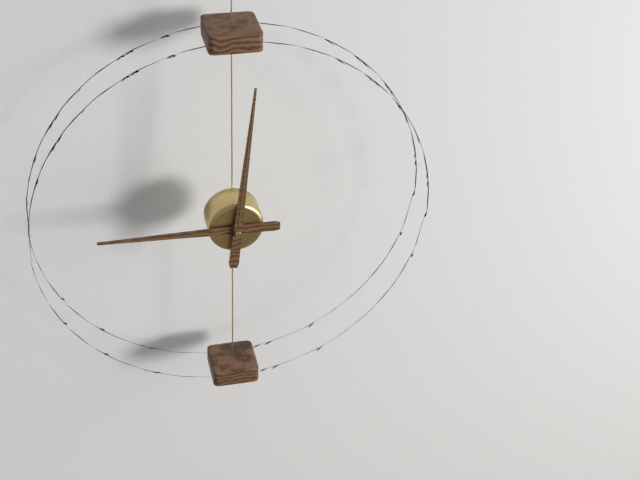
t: 9:01
